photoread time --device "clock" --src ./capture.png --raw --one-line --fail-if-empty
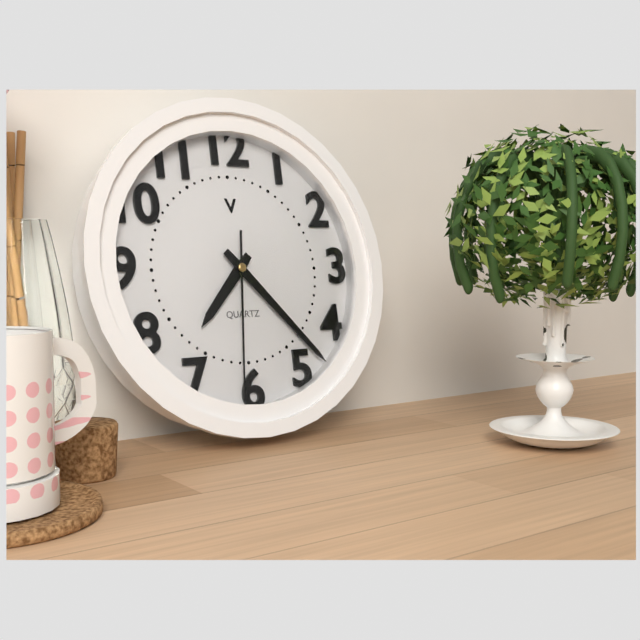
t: 7:23:31
